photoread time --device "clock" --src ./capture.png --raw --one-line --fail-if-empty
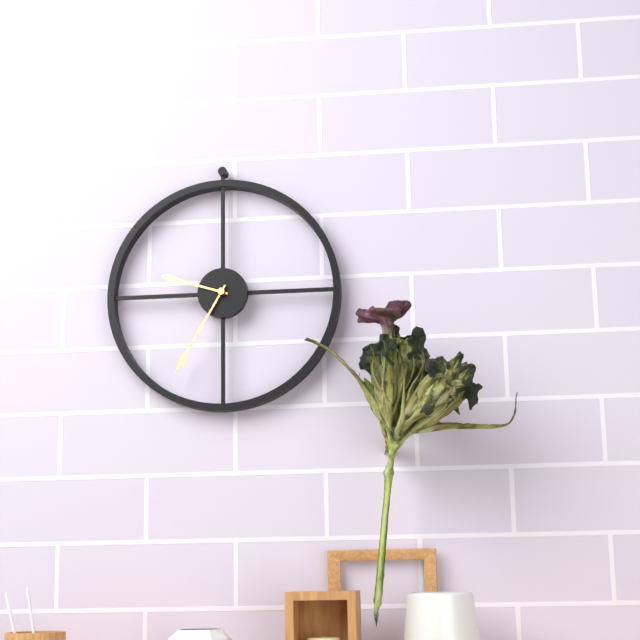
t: 9:35
